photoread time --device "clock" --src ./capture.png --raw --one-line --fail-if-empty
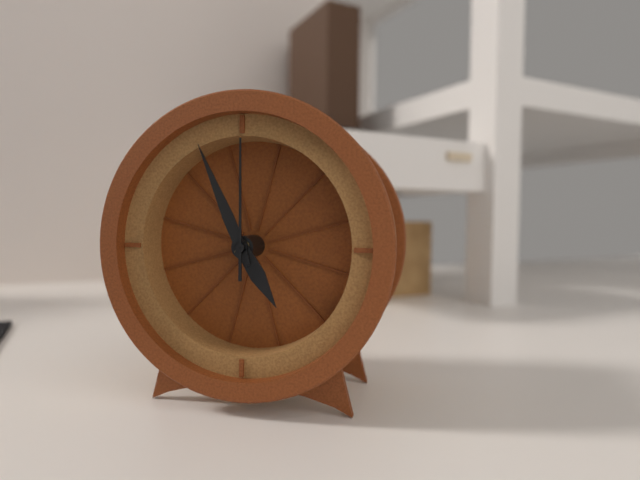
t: 4:56:00
